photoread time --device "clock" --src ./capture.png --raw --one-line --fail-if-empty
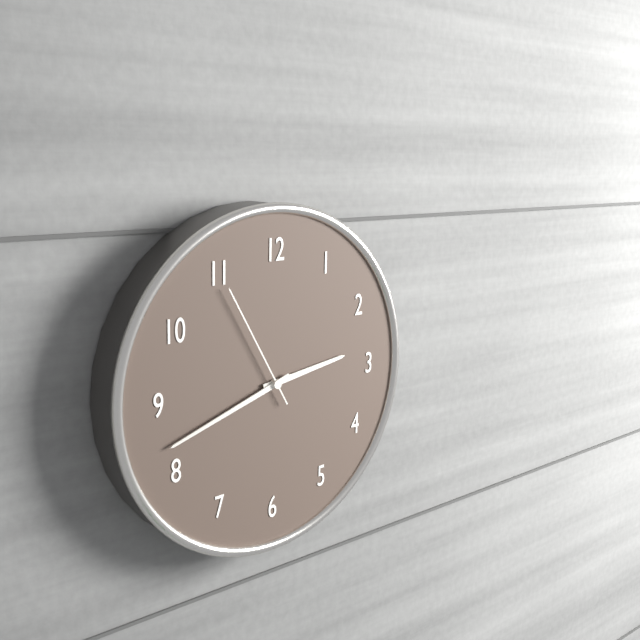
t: 2:42:55
